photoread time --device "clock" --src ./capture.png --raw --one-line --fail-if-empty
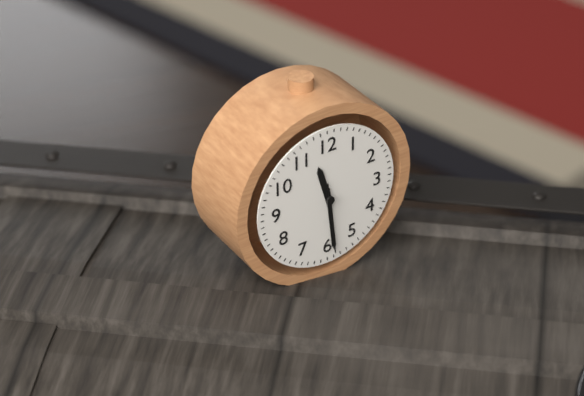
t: 11:29:29
